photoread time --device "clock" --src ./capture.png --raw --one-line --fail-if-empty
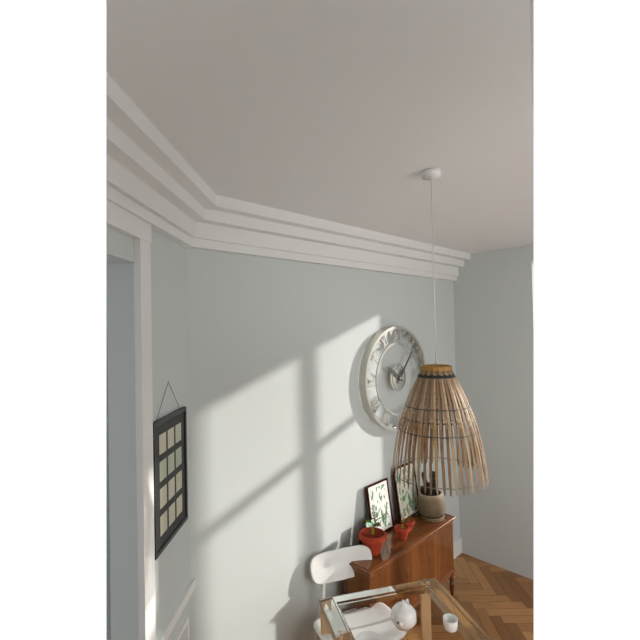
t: 10:07
